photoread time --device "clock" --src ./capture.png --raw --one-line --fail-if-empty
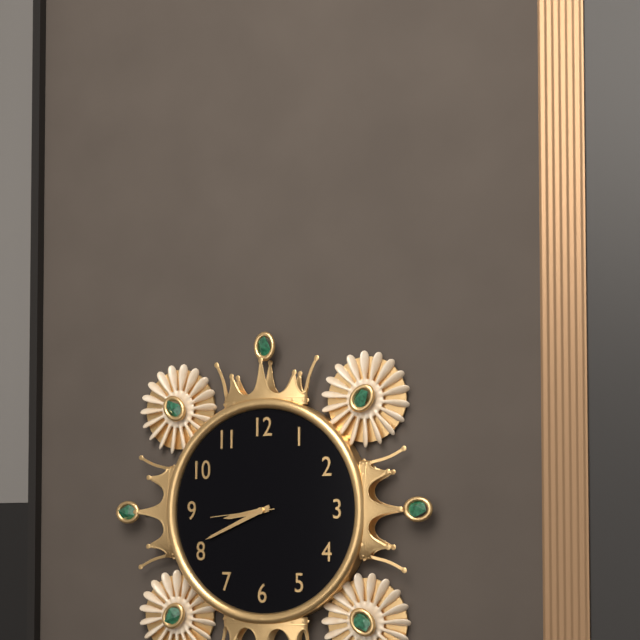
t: 8:41:44
